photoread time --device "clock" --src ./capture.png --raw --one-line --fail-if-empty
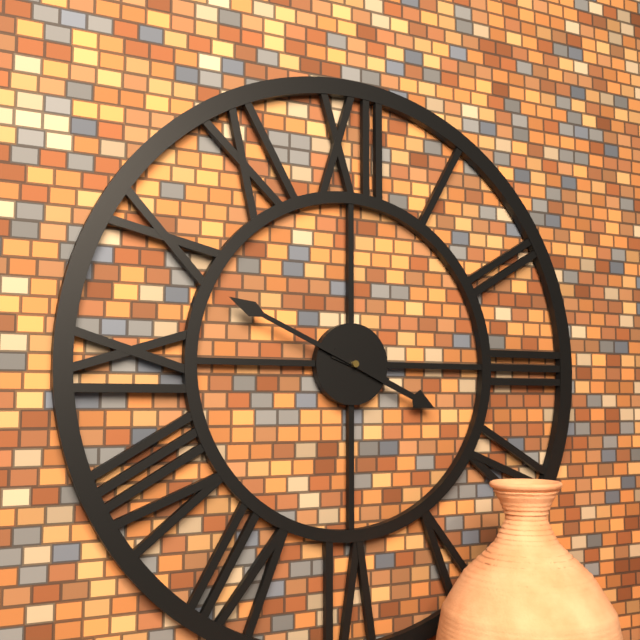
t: 3:49
